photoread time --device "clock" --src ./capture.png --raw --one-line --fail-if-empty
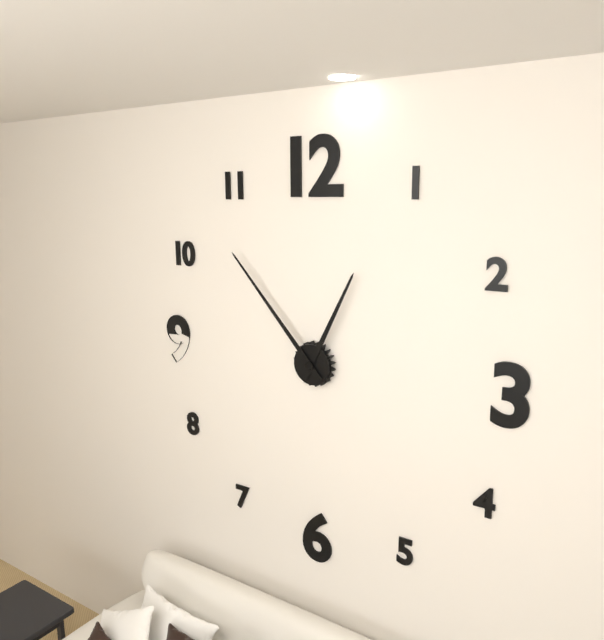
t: 12:53
